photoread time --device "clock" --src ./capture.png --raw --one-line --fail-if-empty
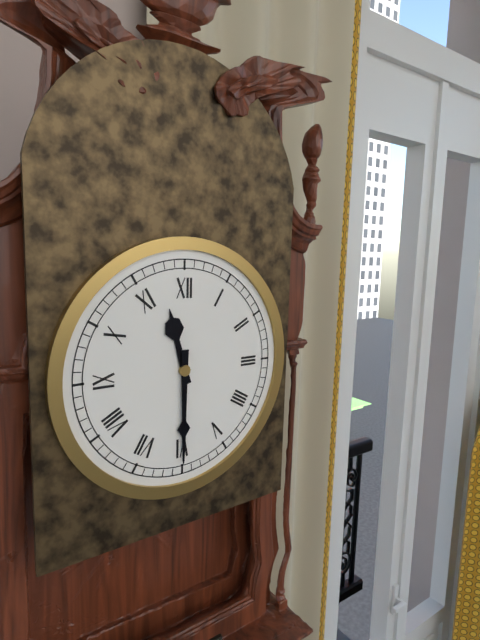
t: 11:30
